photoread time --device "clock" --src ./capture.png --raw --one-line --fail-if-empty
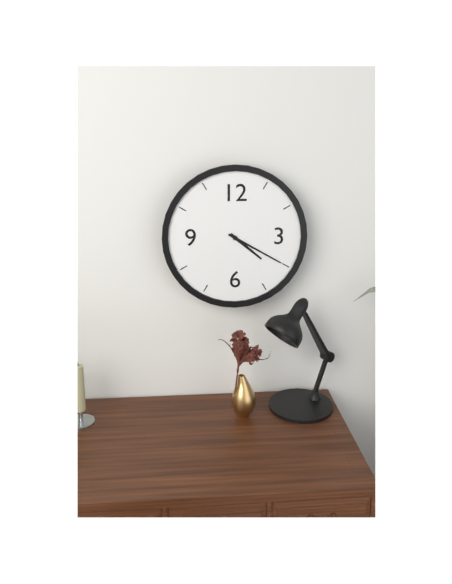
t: 4:20
